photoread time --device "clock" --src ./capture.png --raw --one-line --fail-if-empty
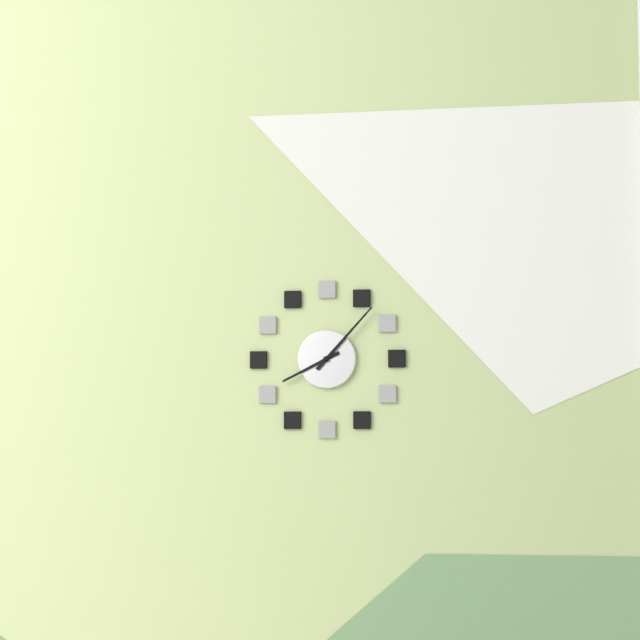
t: 8:07
